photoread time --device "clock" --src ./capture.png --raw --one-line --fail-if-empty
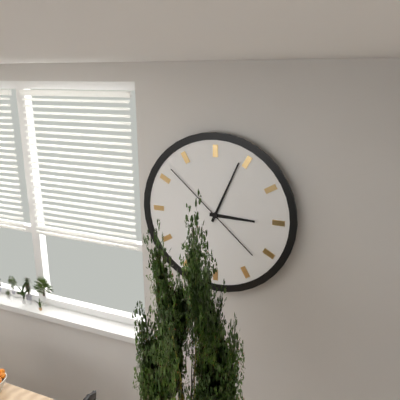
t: 3:04:52
